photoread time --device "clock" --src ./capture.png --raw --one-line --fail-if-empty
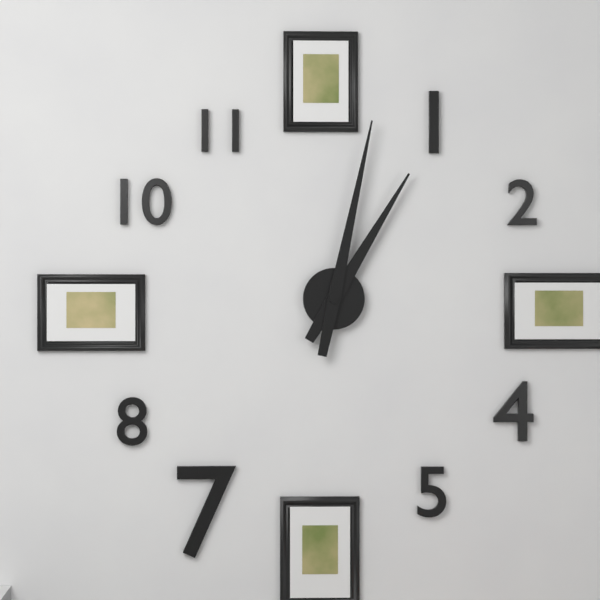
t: 1:02
